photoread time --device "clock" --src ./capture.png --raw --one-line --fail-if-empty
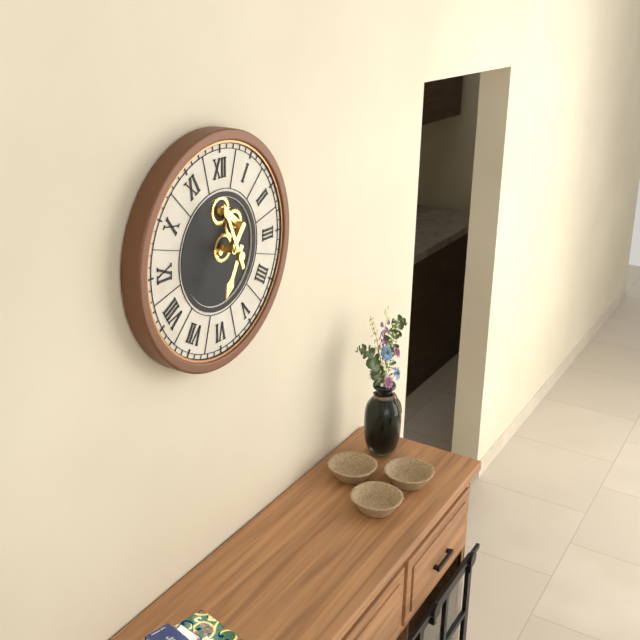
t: 6:56
